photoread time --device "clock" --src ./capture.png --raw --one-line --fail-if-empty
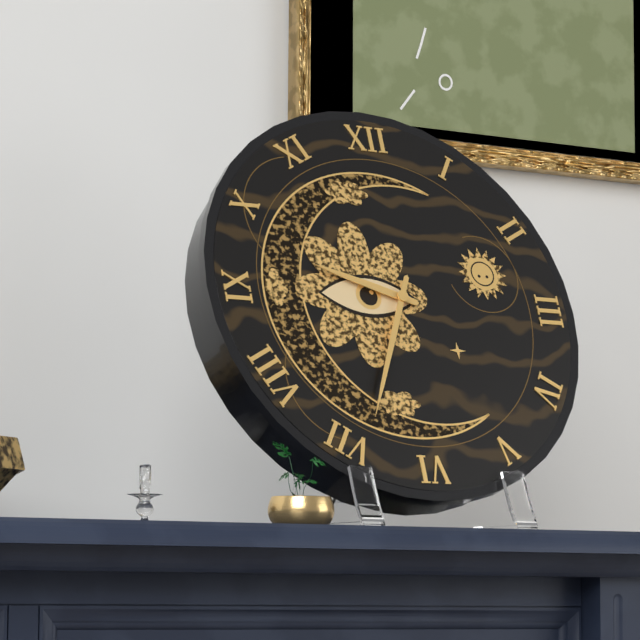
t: 9:34
